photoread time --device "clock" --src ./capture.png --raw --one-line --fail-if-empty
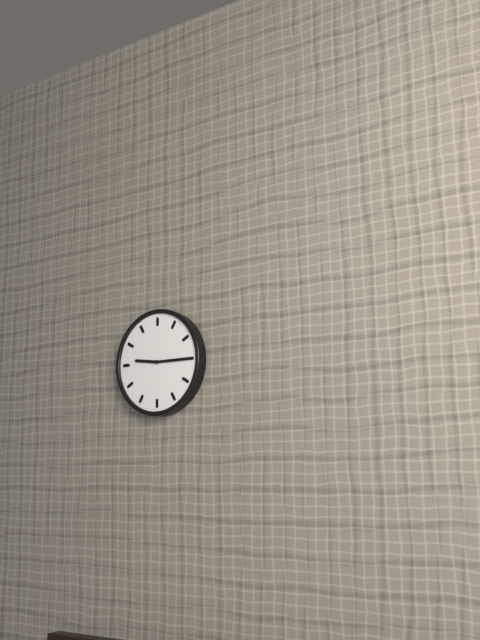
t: 9:15
